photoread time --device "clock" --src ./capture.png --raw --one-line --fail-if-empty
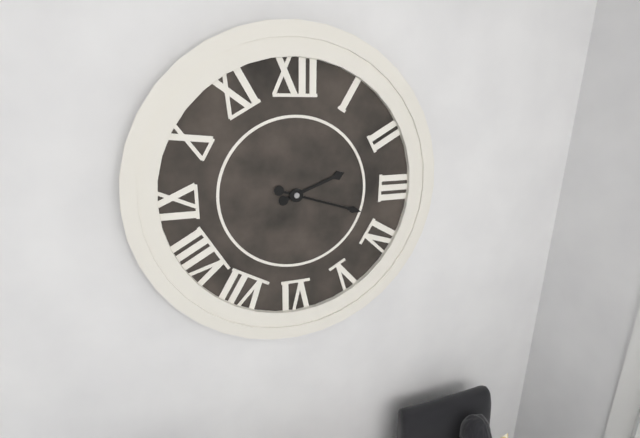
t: 2:18
